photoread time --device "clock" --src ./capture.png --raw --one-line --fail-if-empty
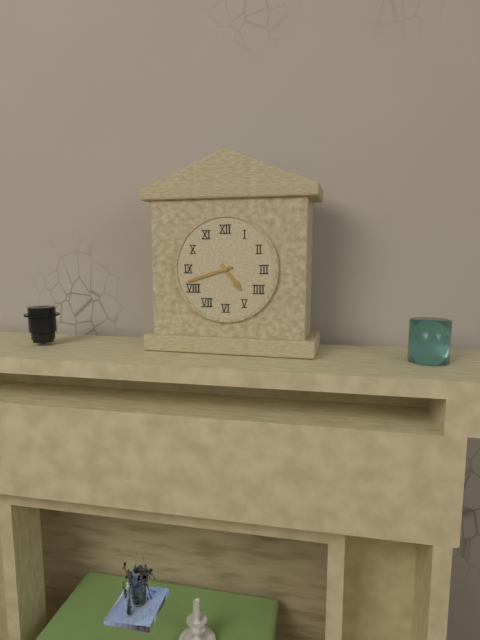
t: 4:42
